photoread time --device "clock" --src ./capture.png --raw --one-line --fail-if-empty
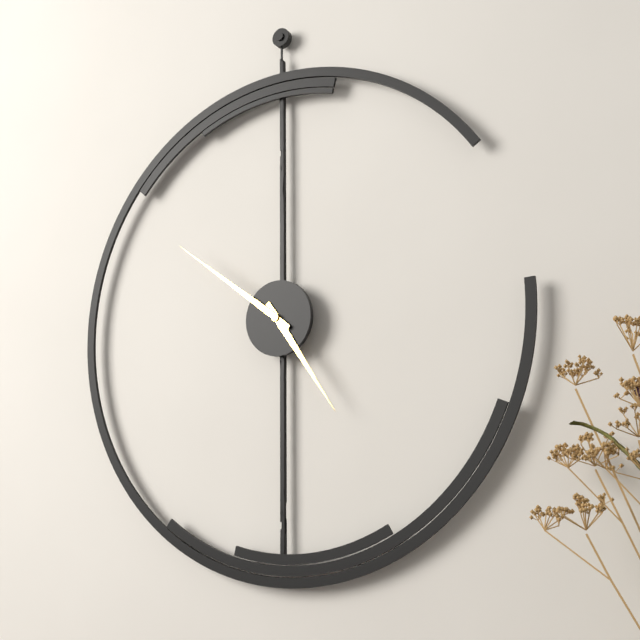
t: 4:51
